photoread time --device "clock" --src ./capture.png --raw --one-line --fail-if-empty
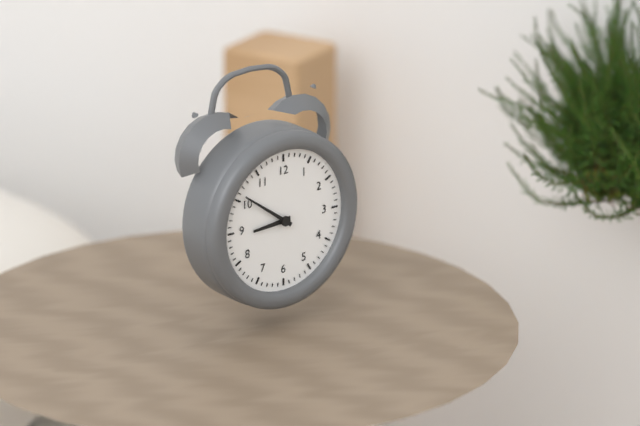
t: 8:51
